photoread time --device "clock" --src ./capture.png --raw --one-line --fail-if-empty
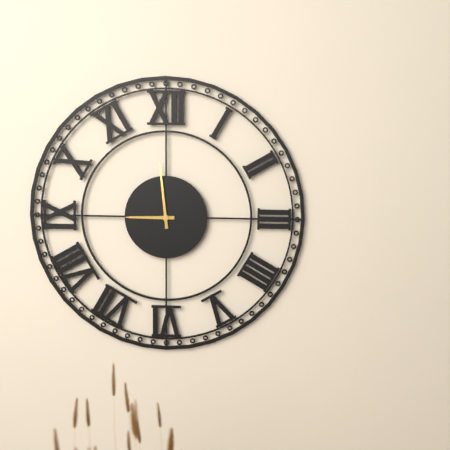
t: 8:59
